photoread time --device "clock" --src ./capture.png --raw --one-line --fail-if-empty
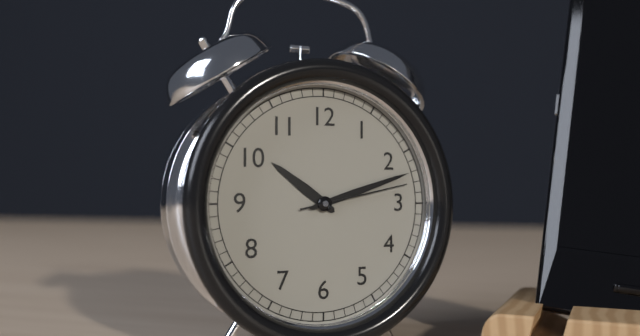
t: 10:12:13
